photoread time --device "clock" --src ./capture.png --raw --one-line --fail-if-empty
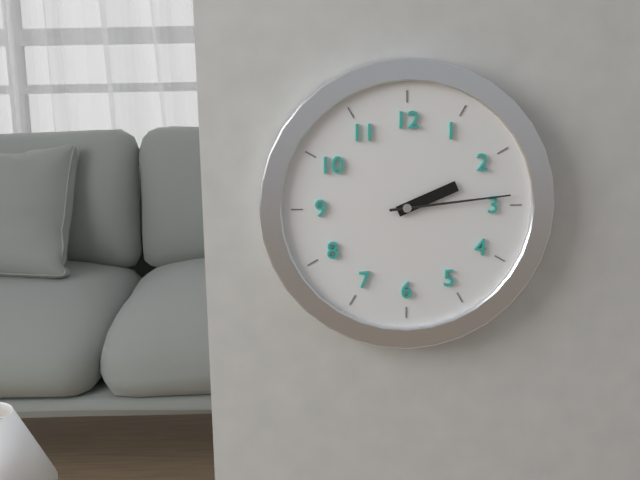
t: 2:14
